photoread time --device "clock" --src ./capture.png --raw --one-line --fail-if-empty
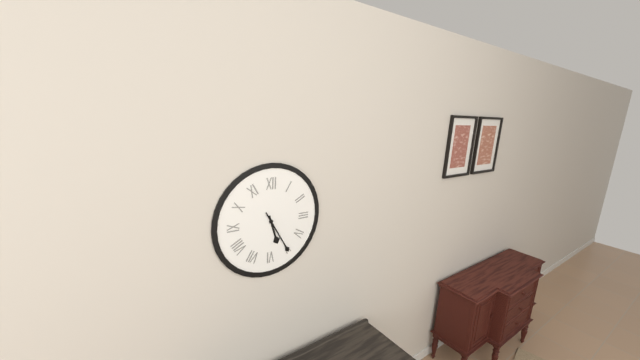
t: 5:25
